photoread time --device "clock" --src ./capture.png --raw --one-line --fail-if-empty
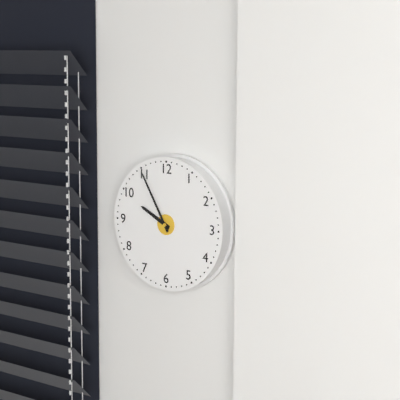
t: 9:55
